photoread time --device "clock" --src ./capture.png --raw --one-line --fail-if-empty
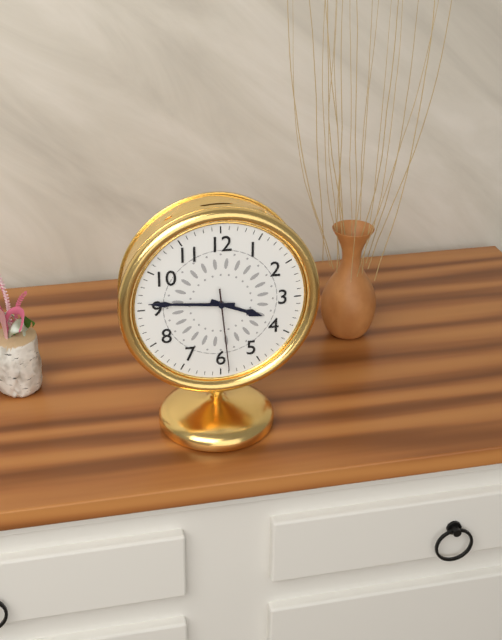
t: 3:46:29
